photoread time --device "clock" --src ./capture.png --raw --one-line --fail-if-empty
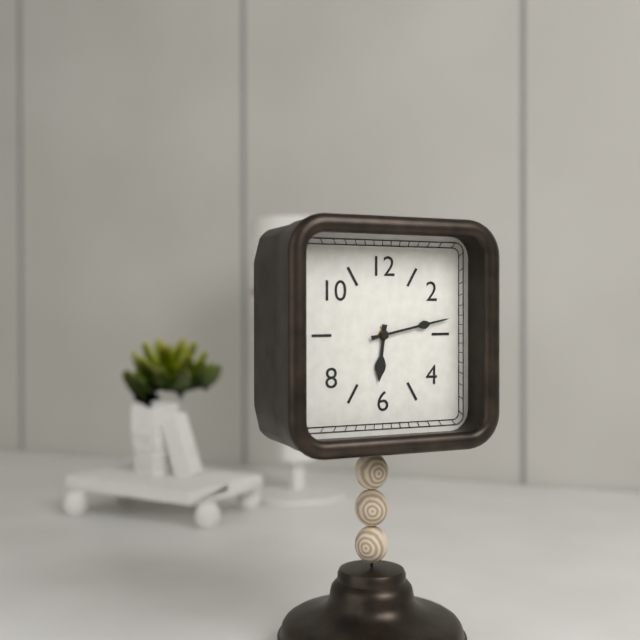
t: 6:13
